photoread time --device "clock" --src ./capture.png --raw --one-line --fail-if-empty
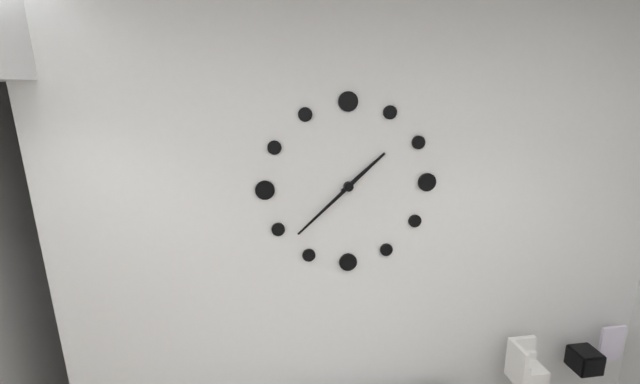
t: 1:38
